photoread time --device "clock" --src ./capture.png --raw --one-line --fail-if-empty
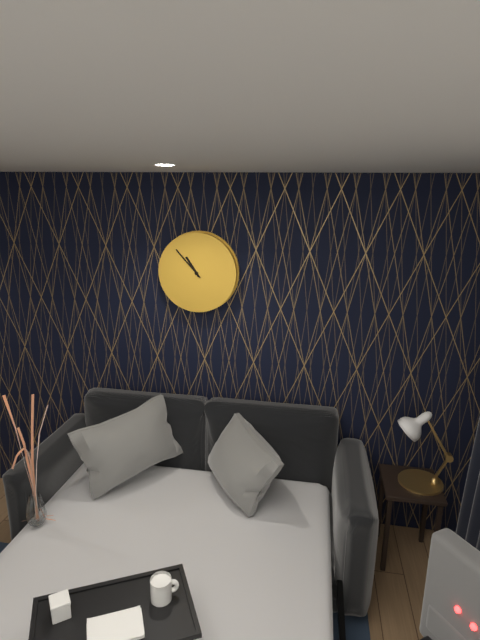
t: 10:53
